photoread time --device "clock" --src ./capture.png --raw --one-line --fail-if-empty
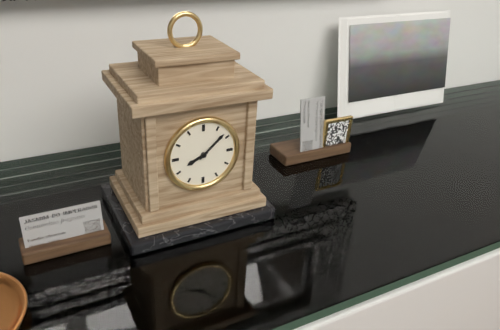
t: 8:08
